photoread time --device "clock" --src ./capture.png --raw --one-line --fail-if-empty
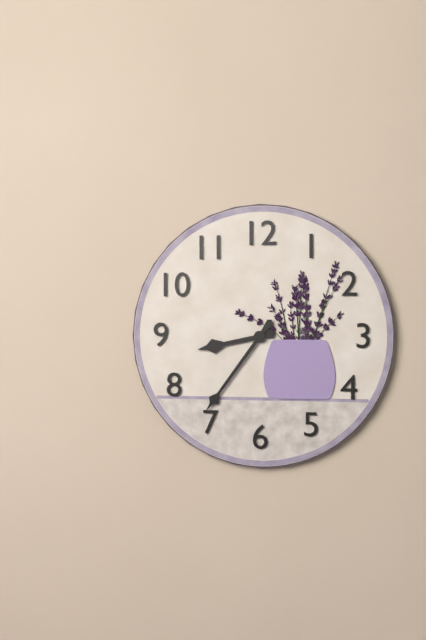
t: 8:36
